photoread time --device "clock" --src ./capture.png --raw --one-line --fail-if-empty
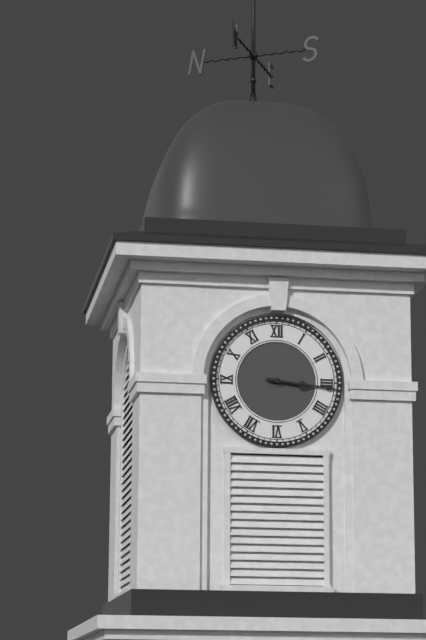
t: 3:16
